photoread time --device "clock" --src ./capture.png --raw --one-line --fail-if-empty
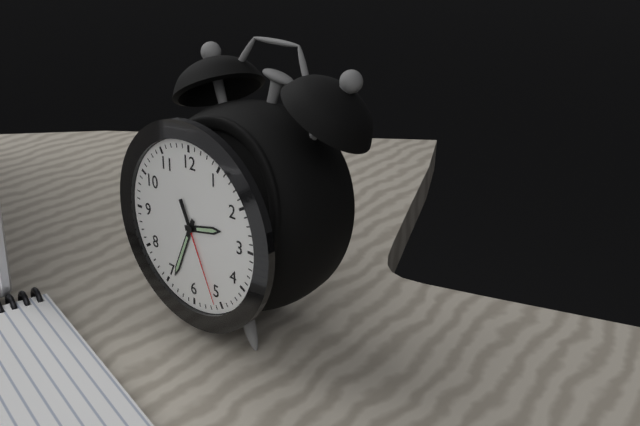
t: 2:34:26
